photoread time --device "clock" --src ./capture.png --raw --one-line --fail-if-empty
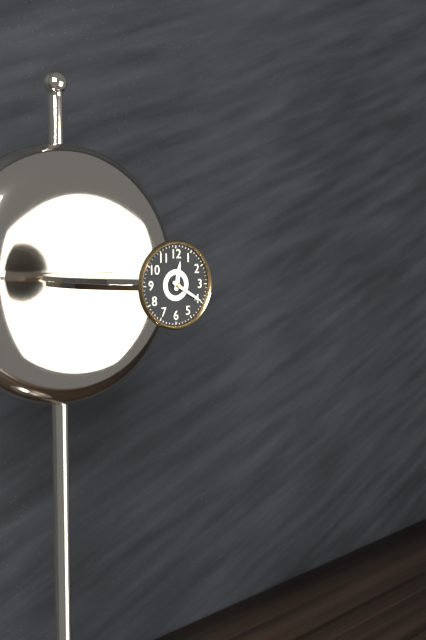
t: 12:20
